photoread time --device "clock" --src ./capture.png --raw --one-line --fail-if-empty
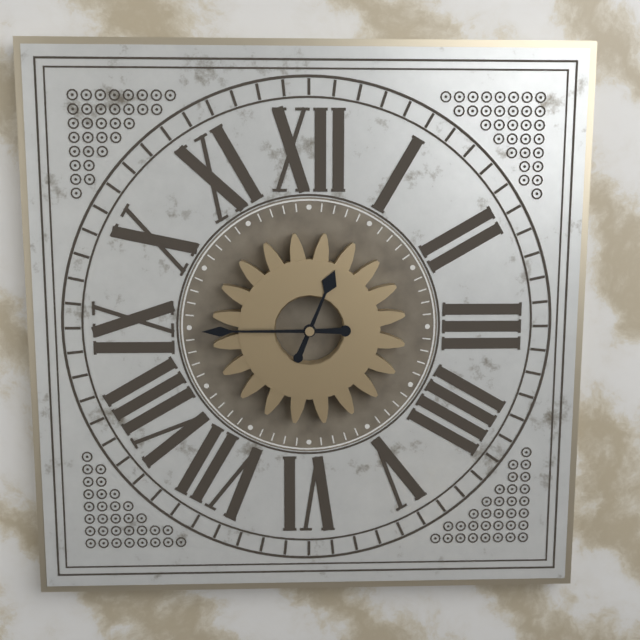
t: 12:45
